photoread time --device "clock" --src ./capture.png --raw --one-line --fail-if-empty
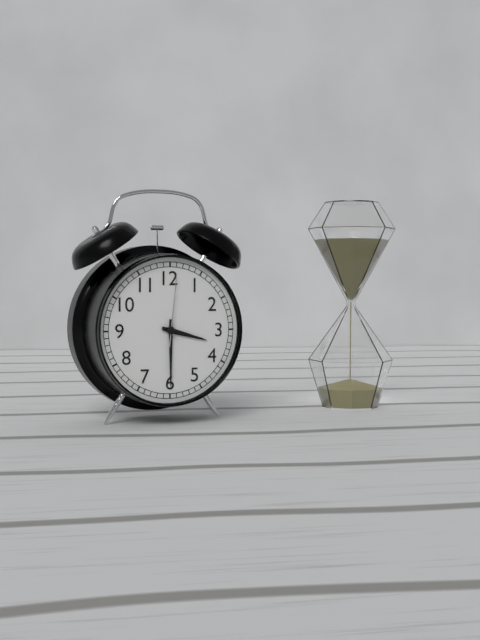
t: 3:30:01
